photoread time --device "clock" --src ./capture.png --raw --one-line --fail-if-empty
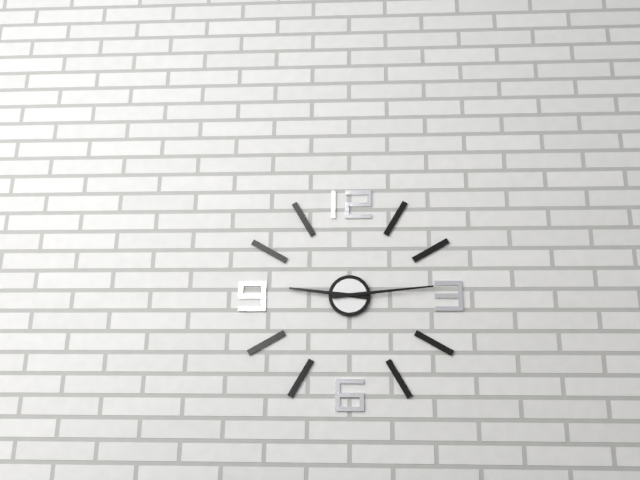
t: 9:14
